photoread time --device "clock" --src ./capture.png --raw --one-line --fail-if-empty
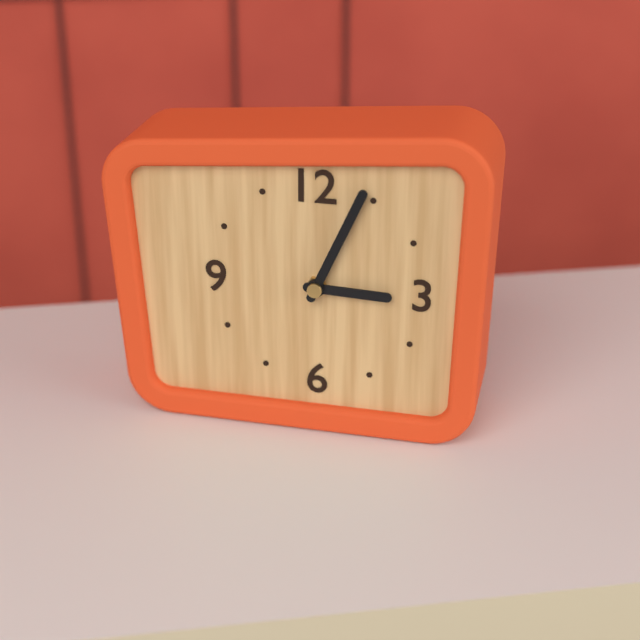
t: 3:04
